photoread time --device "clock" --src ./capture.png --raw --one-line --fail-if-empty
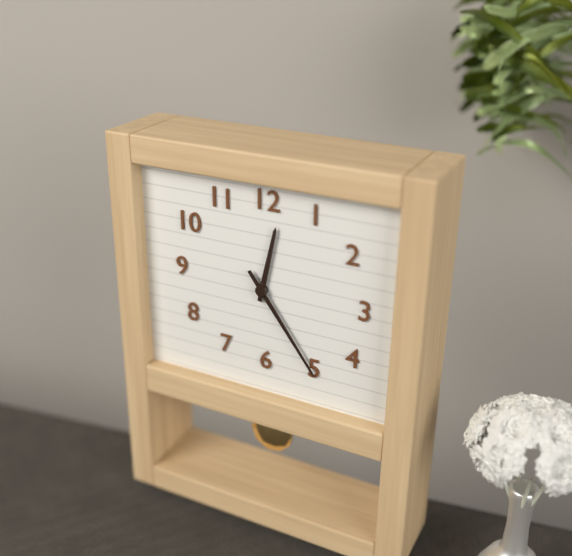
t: 12:24
